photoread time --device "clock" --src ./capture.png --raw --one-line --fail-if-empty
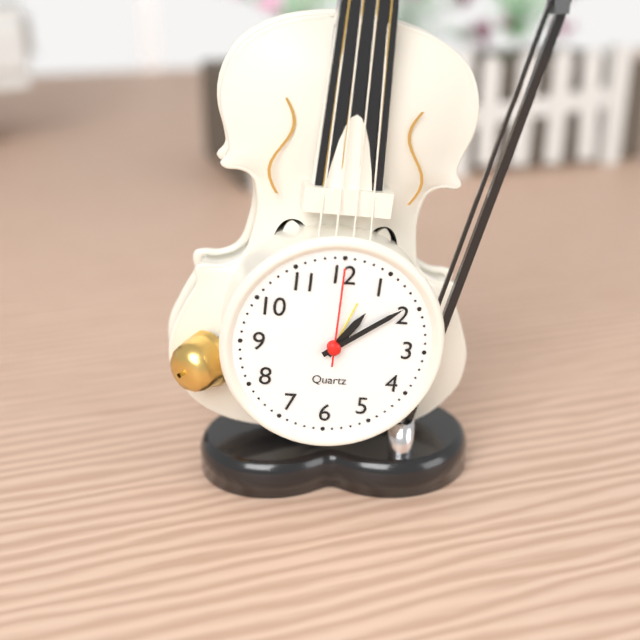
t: 1:09:00
